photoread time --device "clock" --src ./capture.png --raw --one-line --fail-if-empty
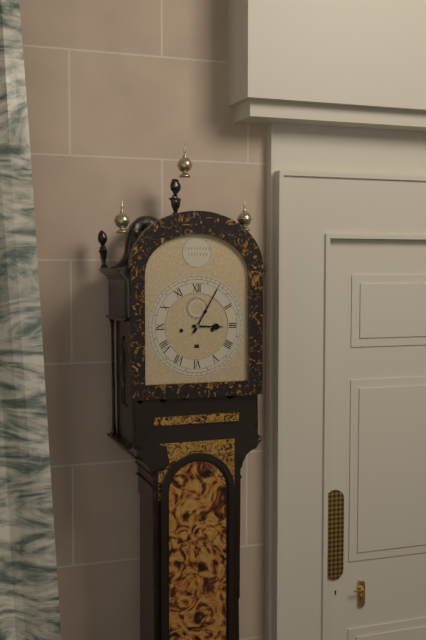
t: 3:05
